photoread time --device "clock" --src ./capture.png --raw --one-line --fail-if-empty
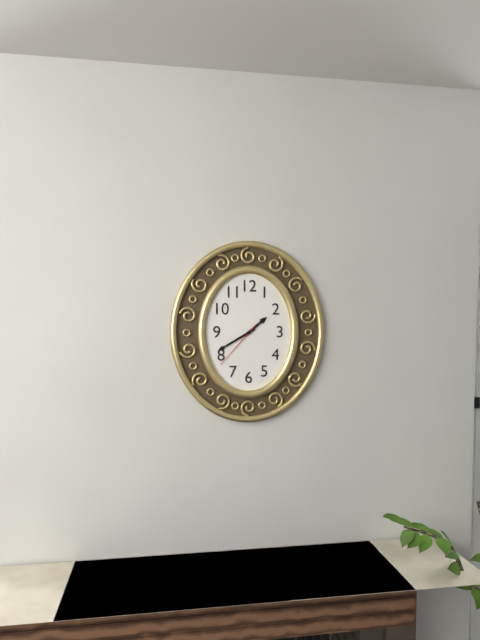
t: 1:40:37
